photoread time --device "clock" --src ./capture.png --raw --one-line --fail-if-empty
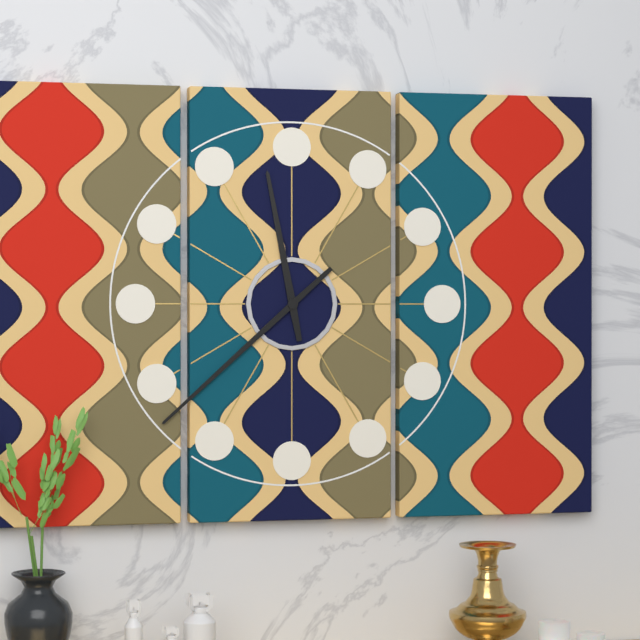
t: 11:38
